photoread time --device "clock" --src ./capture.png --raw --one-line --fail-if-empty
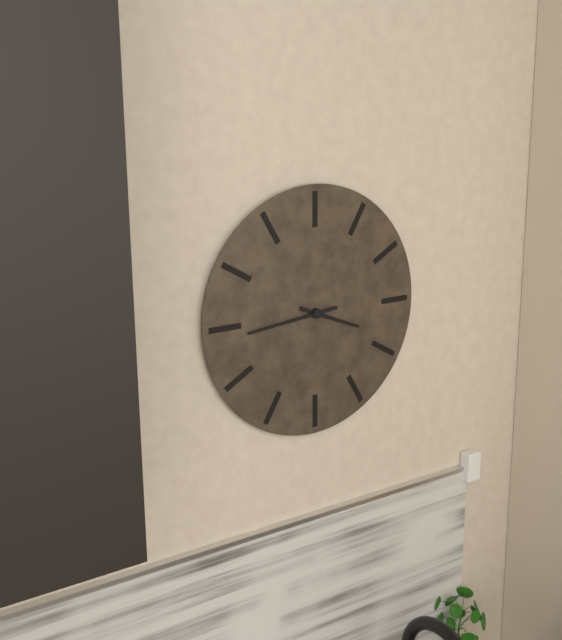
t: 3:44
